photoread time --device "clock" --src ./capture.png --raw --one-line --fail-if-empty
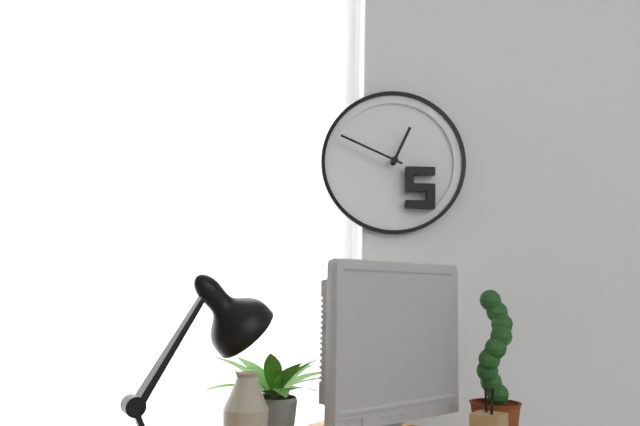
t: 12:49
